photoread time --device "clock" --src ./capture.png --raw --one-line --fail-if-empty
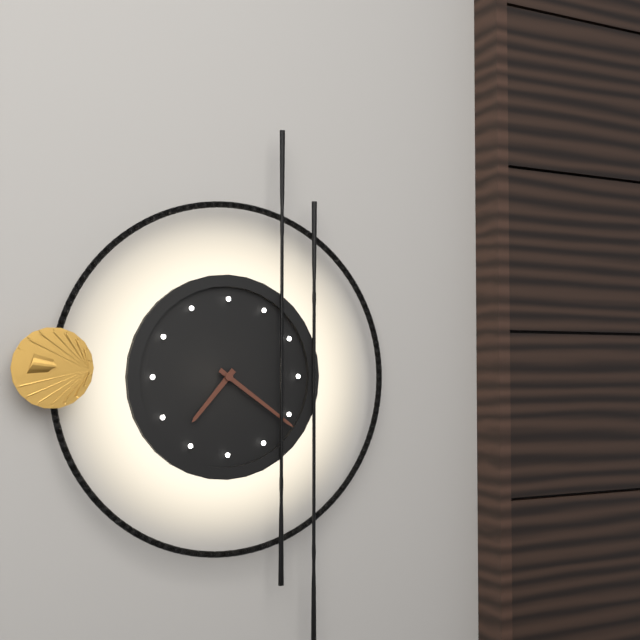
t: 7:21
